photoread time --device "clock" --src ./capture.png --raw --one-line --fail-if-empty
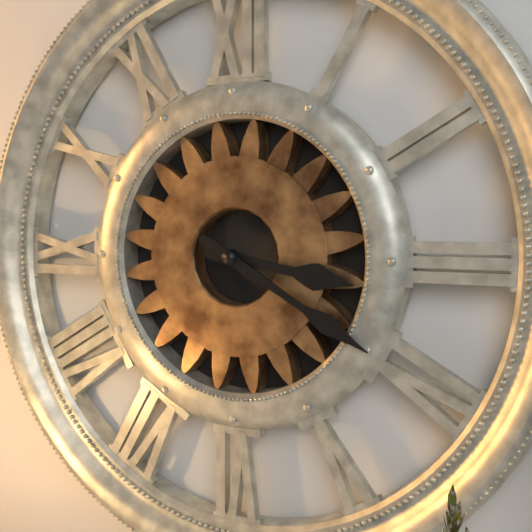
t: 3:20
